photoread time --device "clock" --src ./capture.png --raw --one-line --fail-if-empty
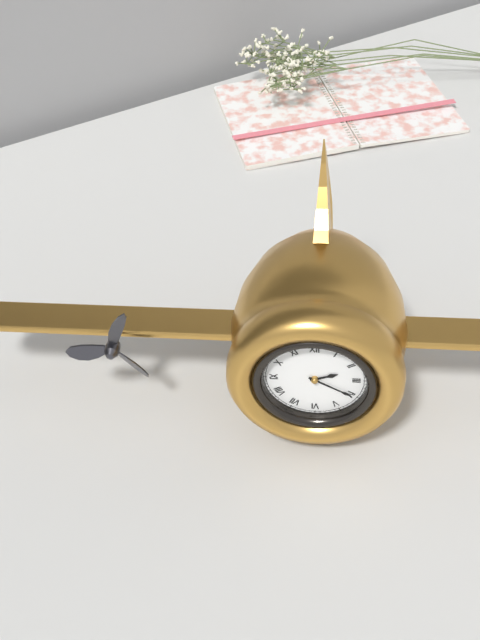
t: 2:20
